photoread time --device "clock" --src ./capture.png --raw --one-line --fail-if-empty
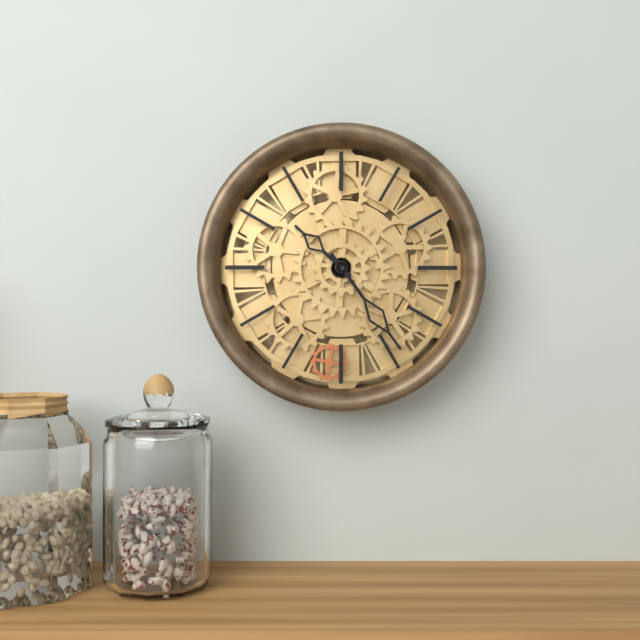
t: 10:24
